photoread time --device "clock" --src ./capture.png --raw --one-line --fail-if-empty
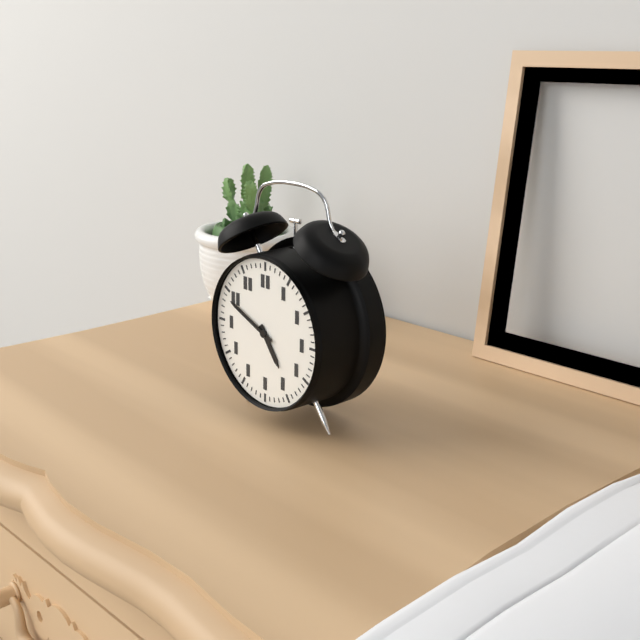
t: 4:49
